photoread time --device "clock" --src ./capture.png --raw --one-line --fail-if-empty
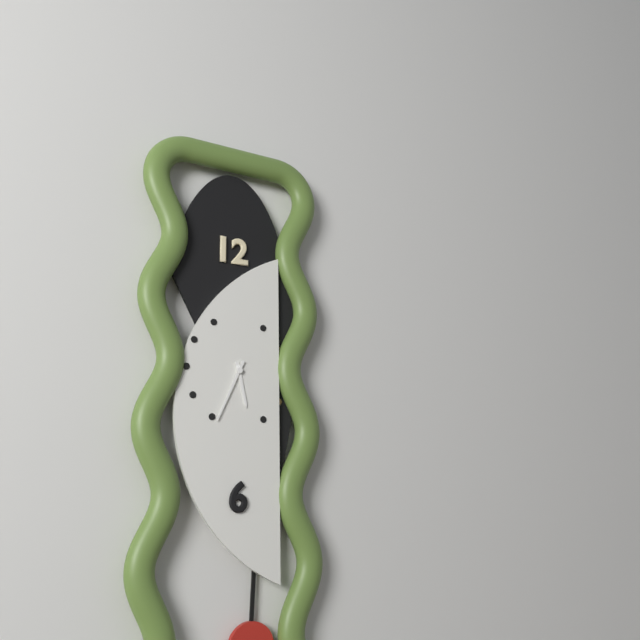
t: 5:34
